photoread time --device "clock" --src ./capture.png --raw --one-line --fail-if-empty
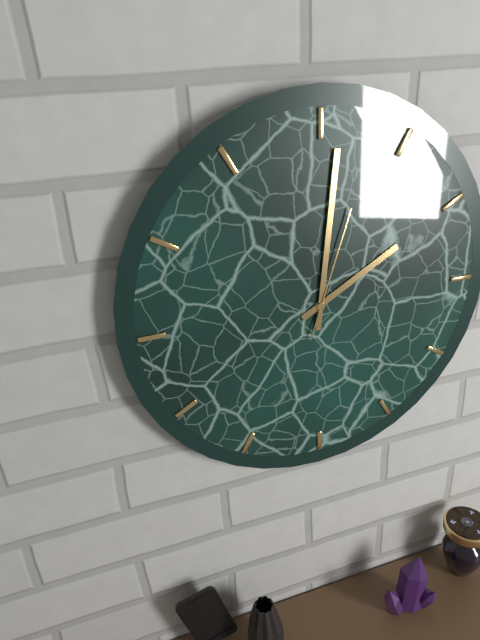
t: 2:01:03
